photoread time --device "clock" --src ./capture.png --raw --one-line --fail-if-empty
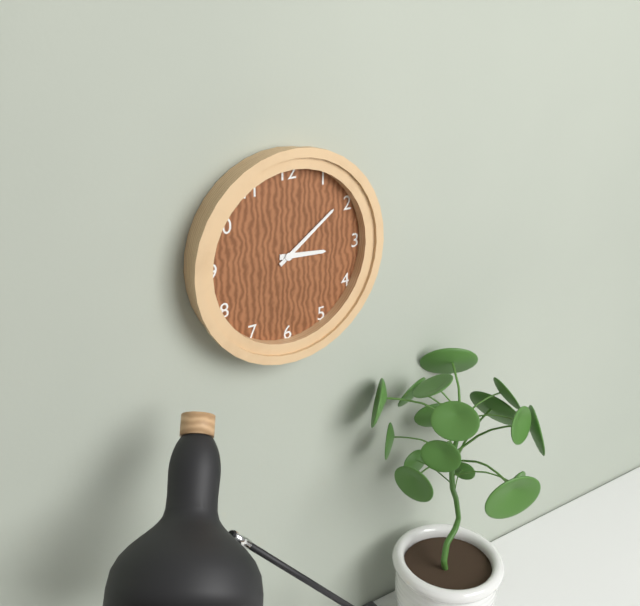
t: 3:09
